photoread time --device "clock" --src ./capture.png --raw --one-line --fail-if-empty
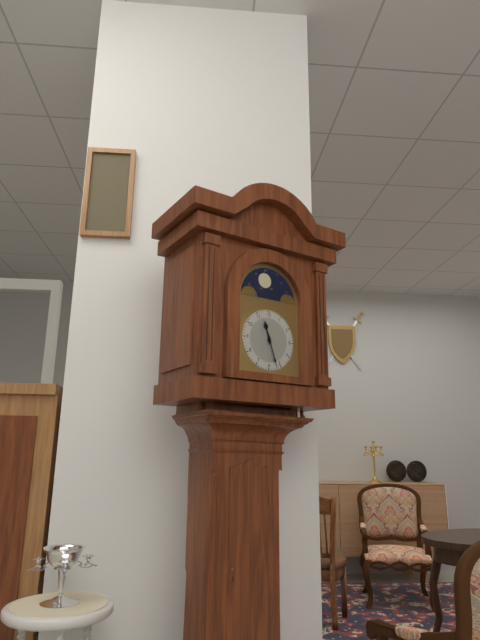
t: 11:27
